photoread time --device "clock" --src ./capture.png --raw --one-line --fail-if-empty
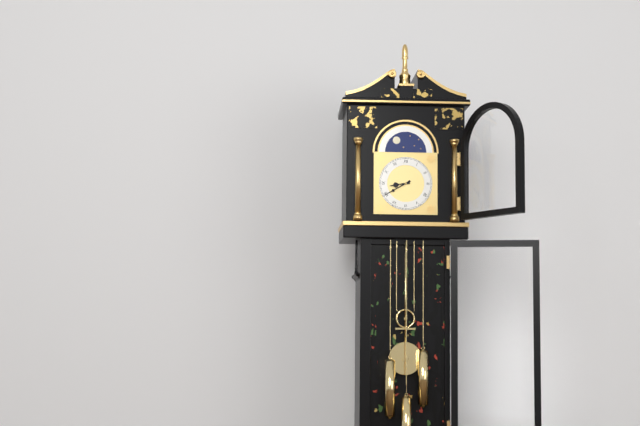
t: 8:40
